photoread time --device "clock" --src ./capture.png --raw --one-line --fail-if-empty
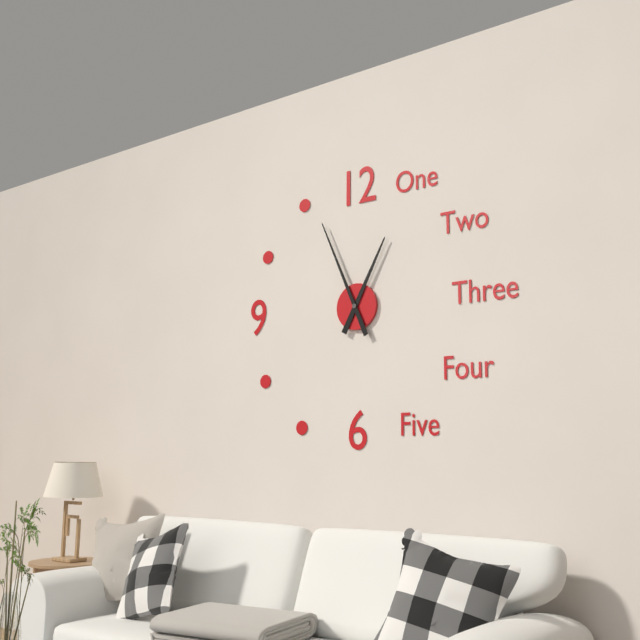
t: 12:56
